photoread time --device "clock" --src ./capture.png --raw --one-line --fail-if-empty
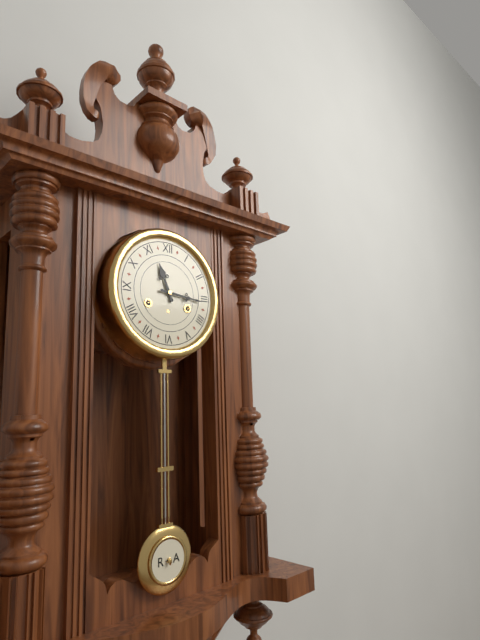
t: 11:16
